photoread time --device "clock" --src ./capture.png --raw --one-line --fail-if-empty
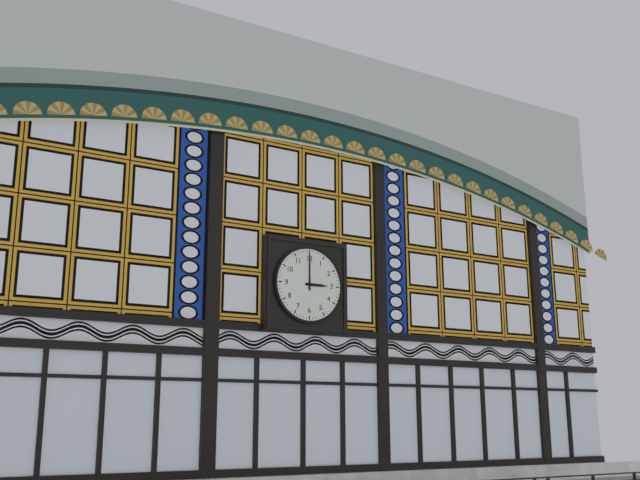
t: 3:00
